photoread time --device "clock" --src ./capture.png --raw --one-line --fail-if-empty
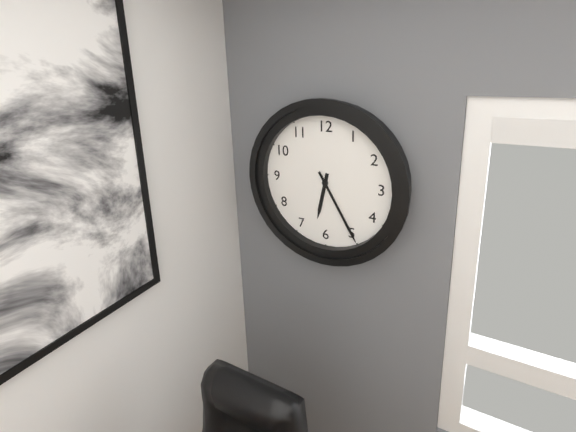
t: 6:25
